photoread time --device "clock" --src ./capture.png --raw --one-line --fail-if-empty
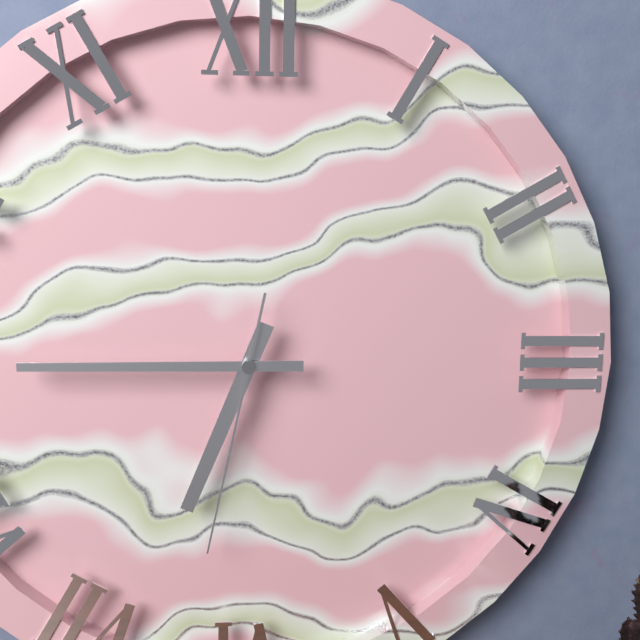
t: 6:45:32
